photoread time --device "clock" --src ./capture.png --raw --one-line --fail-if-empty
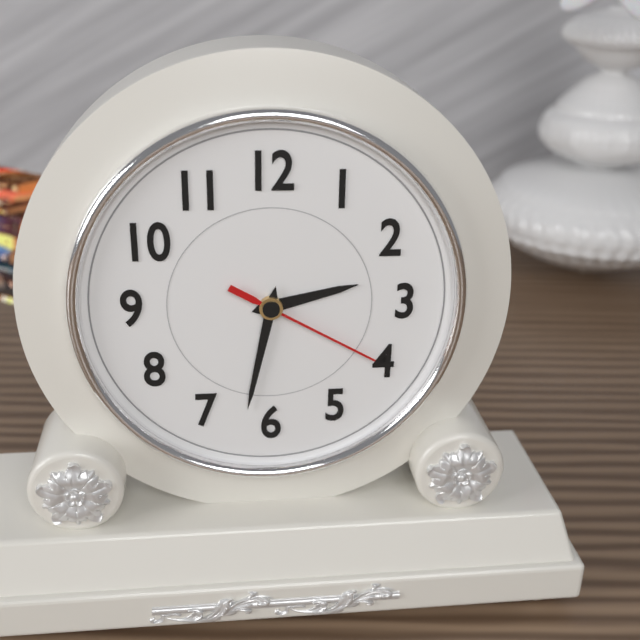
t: 2:32:20
